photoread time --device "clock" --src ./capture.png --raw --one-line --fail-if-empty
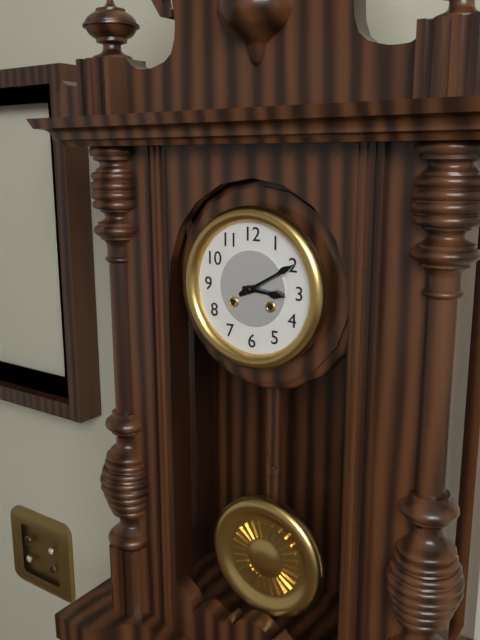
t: 3:10
